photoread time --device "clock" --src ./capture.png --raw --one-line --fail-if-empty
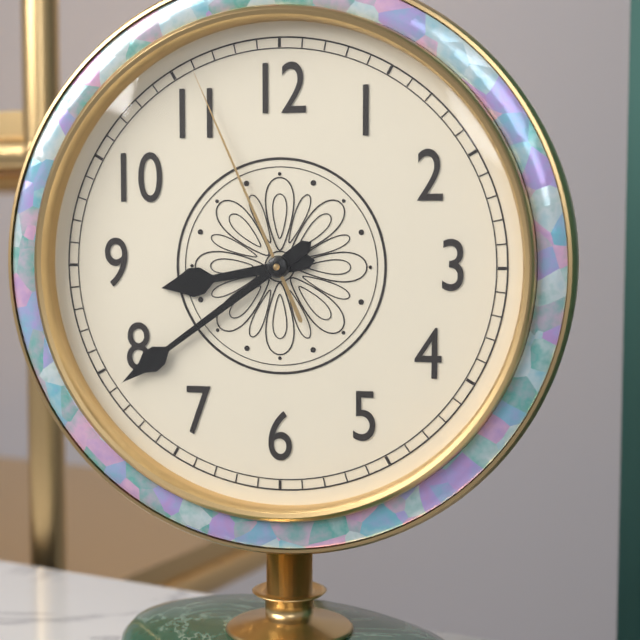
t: 8:39:56
